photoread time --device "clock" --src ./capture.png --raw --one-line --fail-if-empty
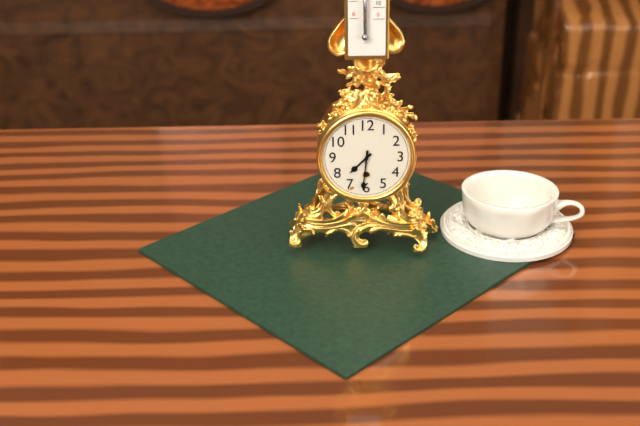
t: 7:31
